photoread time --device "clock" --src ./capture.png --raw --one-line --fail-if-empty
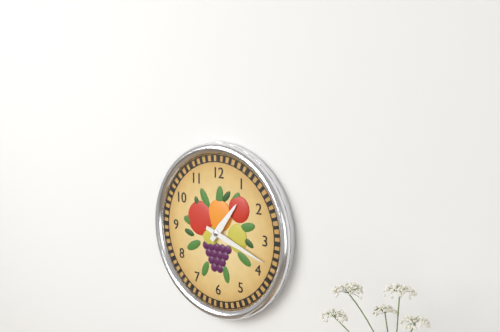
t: 1:18
